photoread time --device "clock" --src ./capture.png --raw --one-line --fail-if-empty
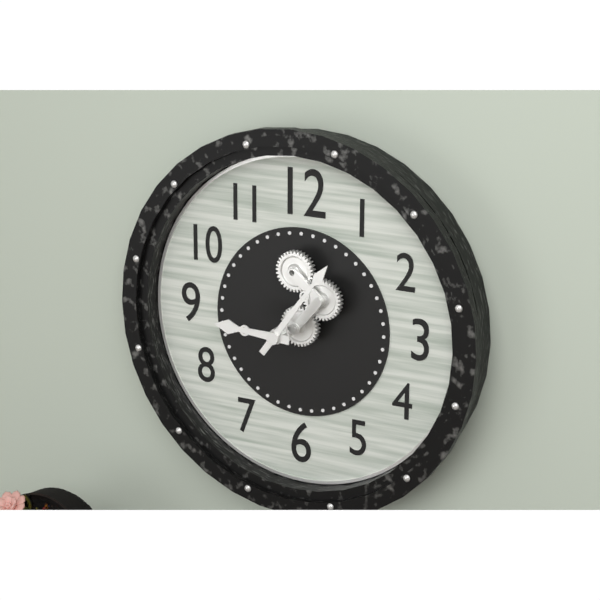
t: 9:06
